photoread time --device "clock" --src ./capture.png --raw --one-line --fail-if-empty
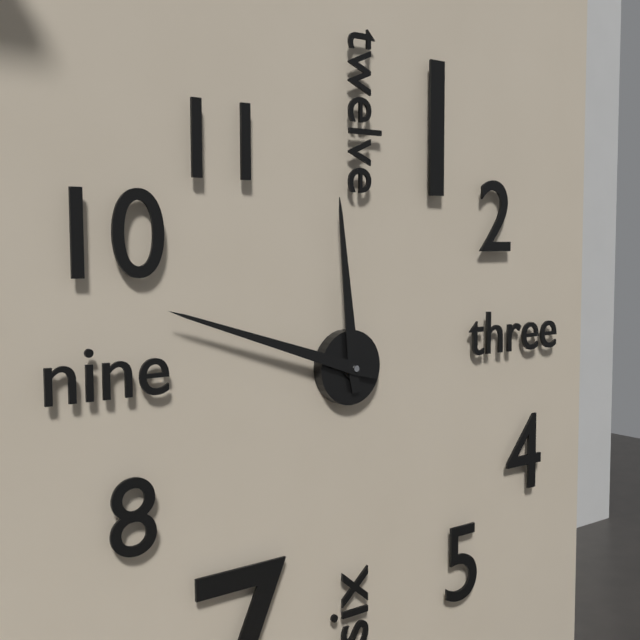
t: 11:48
